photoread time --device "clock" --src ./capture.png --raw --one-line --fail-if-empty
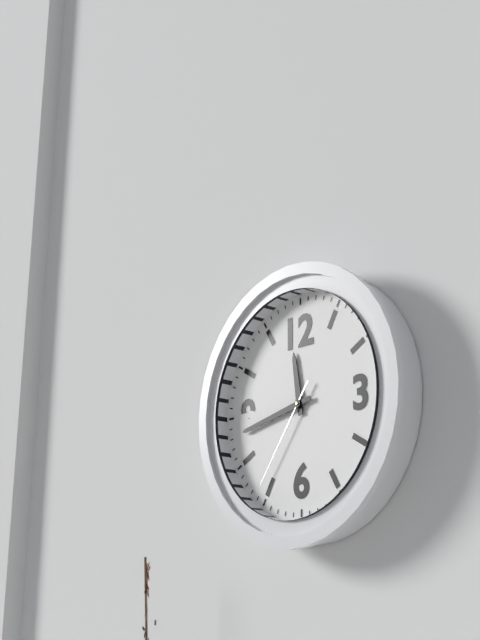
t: 11:43:36
